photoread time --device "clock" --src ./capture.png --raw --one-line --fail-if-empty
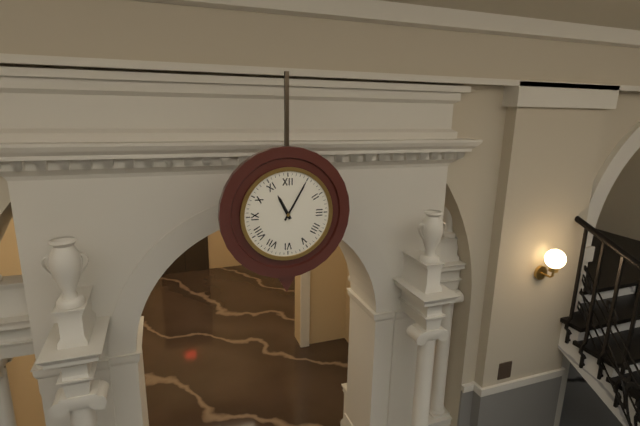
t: 11:05
